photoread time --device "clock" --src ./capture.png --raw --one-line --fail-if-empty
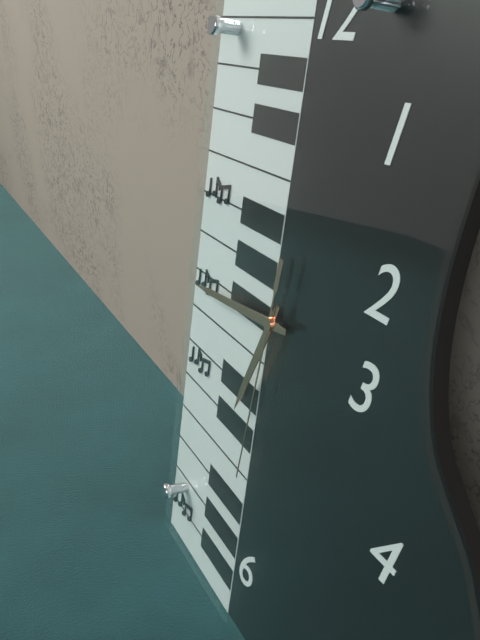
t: 6:44:31
